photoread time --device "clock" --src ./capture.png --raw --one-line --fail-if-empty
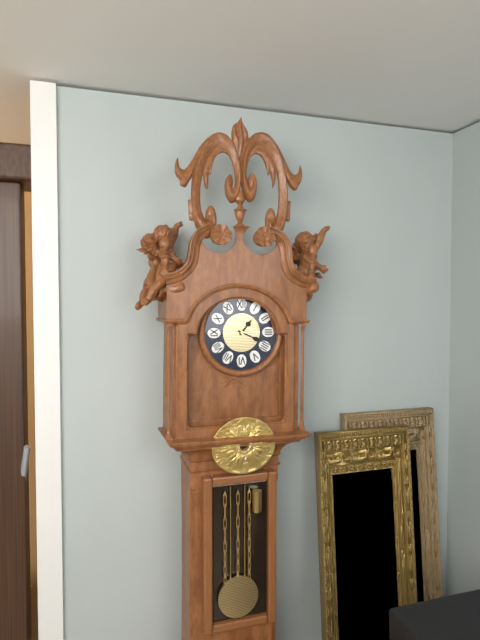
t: 1:19
